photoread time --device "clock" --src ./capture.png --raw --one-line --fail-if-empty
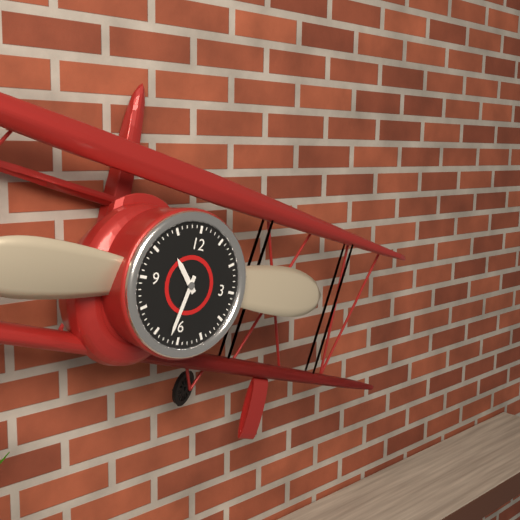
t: 10:32
